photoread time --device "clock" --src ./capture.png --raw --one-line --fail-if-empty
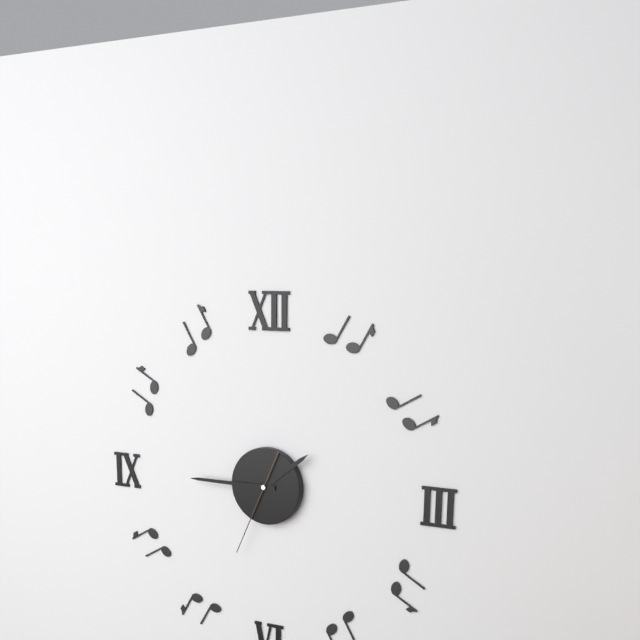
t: 1:45:34
